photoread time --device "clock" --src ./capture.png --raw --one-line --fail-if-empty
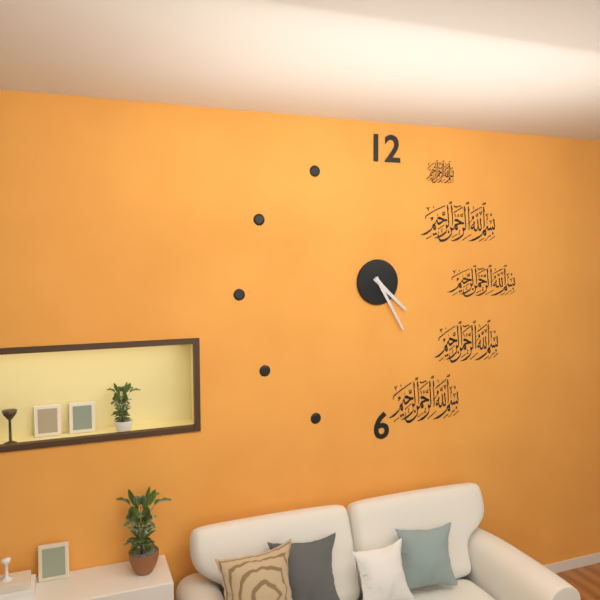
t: 4:25
